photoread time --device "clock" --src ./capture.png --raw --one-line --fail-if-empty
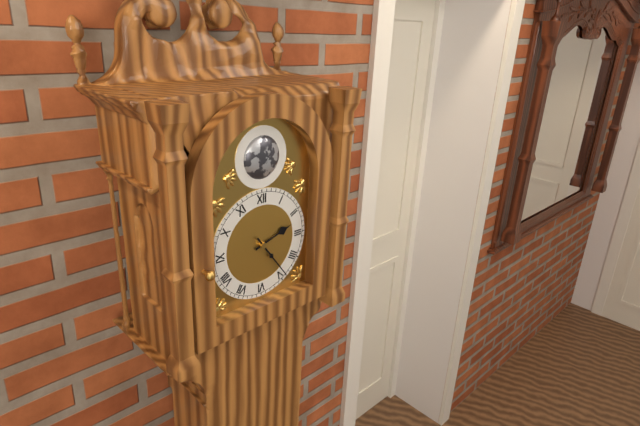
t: 2:24
